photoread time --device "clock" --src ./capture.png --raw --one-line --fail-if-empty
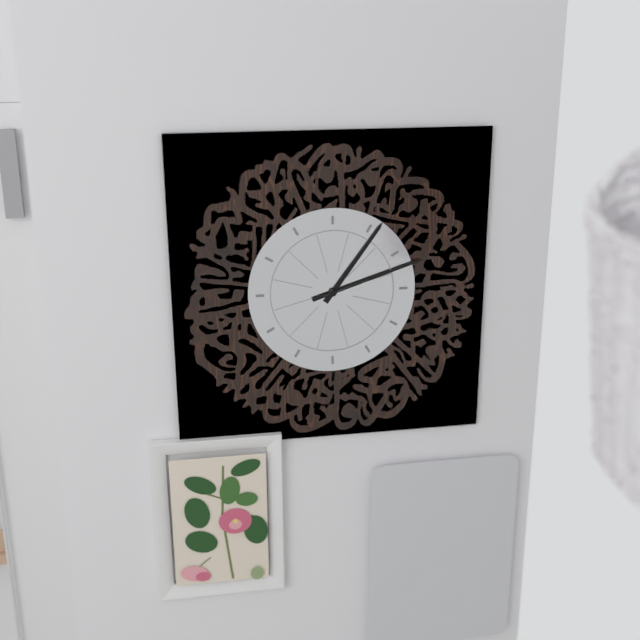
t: 1:12
